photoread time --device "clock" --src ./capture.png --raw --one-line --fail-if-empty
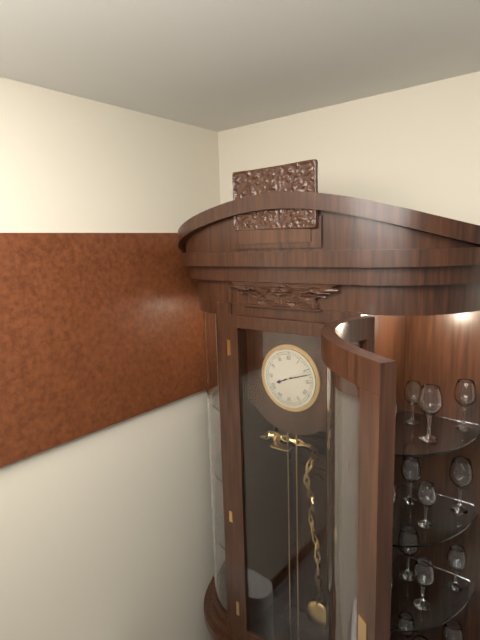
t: 8:12
